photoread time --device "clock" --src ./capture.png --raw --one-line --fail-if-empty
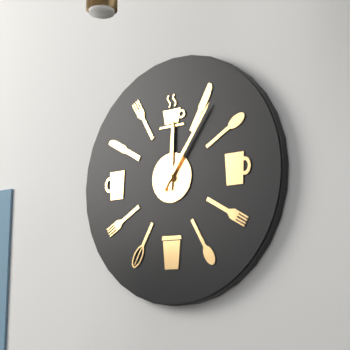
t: 12:06
